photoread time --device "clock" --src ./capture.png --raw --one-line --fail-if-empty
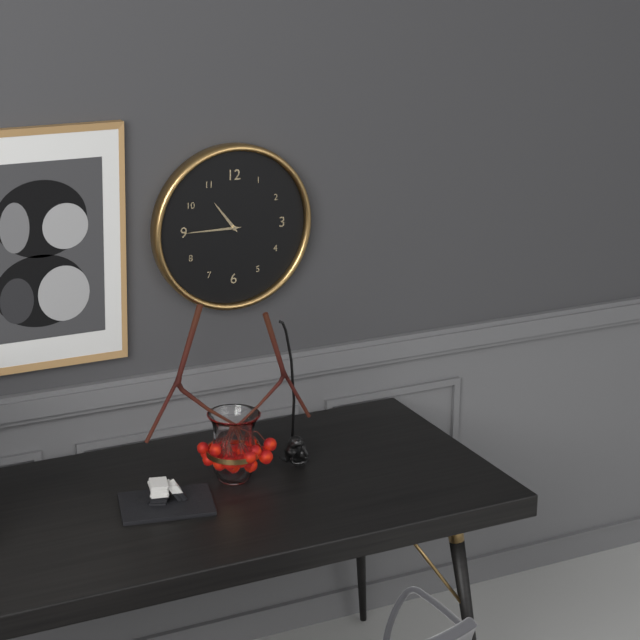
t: 10:45
